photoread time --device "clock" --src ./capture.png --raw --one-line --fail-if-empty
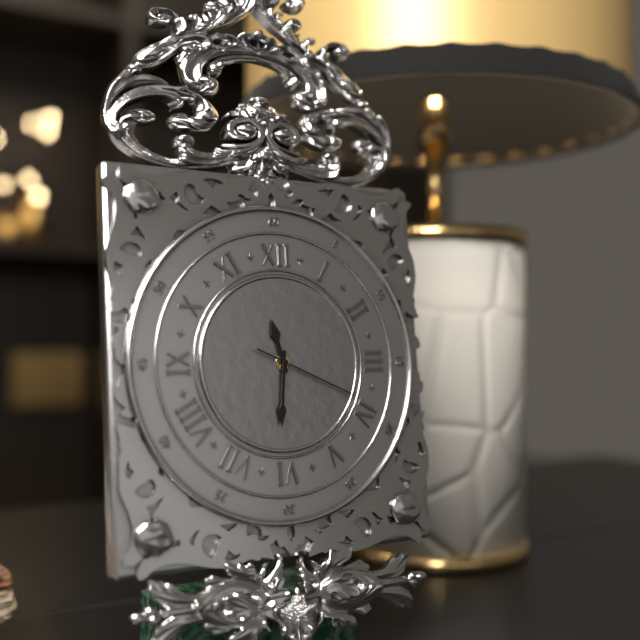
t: 11:31:19
